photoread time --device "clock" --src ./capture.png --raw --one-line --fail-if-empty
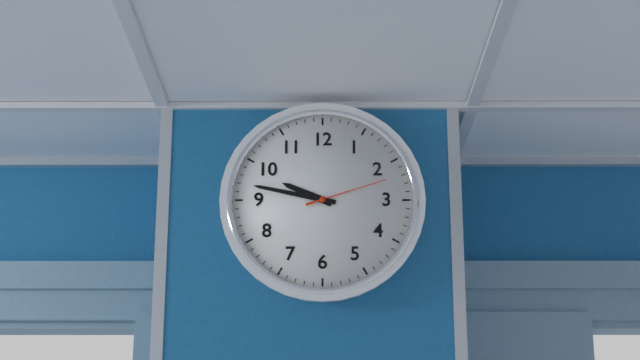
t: 9:47:12
